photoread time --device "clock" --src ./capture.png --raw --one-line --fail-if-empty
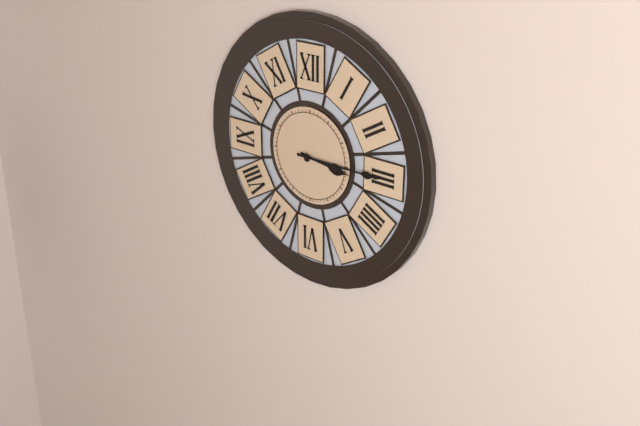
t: 3:15
